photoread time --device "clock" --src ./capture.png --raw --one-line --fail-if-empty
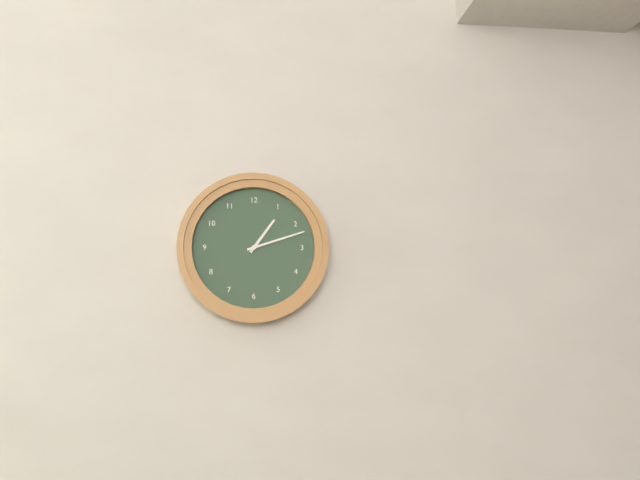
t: 1:12
